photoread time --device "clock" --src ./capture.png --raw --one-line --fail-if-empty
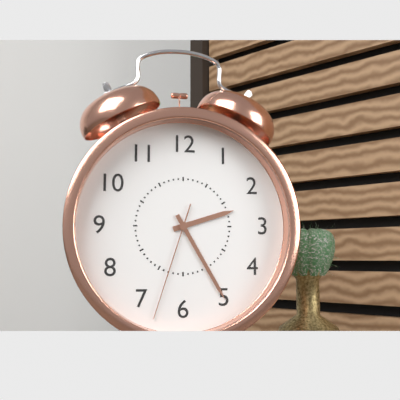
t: 2:25:33
